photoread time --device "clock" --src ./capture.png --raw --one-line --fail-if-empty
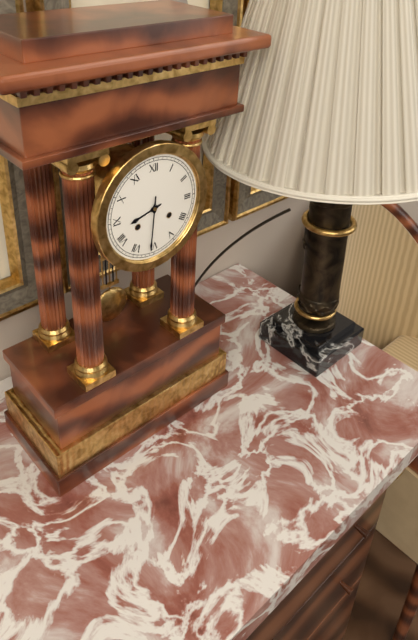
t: 8:31
